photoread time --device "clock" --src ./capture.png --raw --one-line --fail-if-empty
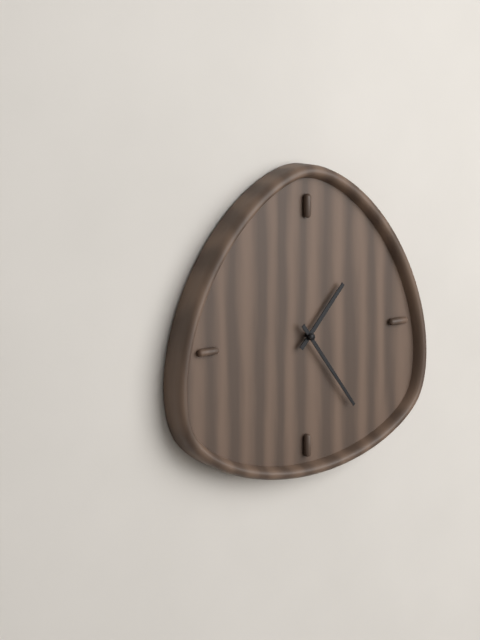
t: 1:24
